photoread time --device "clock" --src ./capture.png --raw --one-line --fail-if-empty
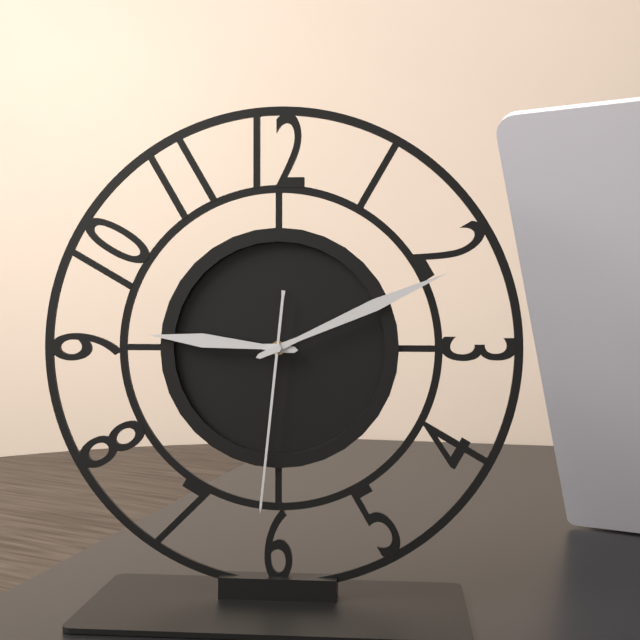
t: 9:11:31
